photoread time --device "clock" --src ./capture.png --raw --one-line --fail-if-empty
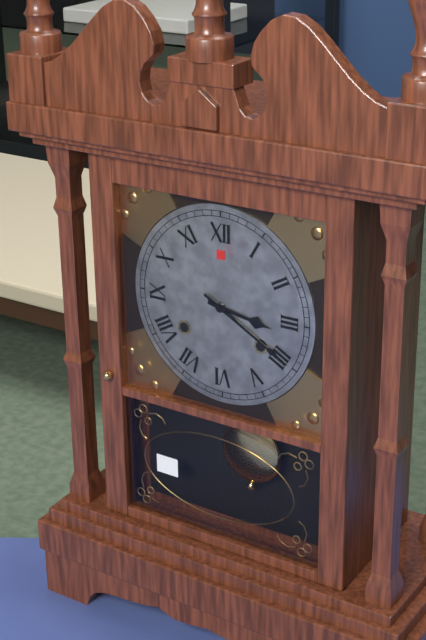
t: 3:20
